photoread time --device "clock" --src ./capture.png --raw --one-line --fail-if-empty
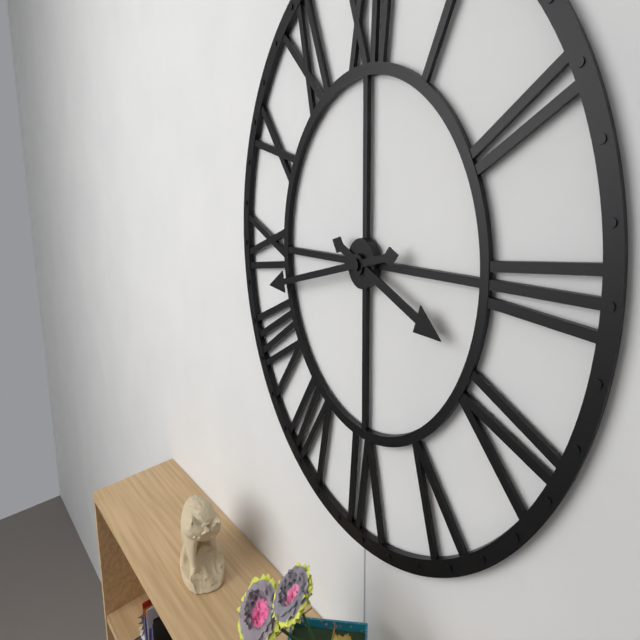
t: 3:43
